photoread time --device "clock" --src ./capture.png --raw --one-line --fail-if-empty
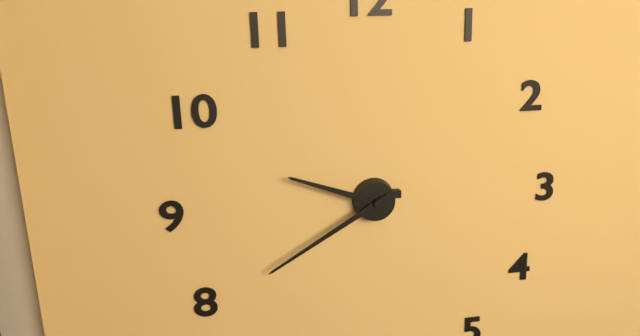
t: 9:40
